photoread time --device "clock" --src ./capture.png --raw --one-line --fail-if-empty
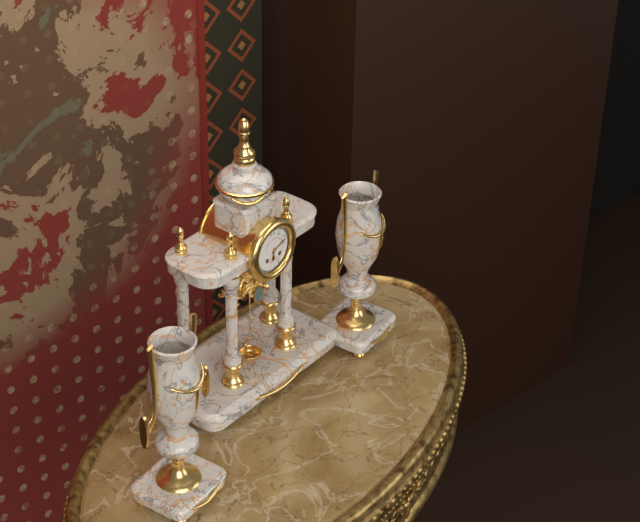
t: 6:12
